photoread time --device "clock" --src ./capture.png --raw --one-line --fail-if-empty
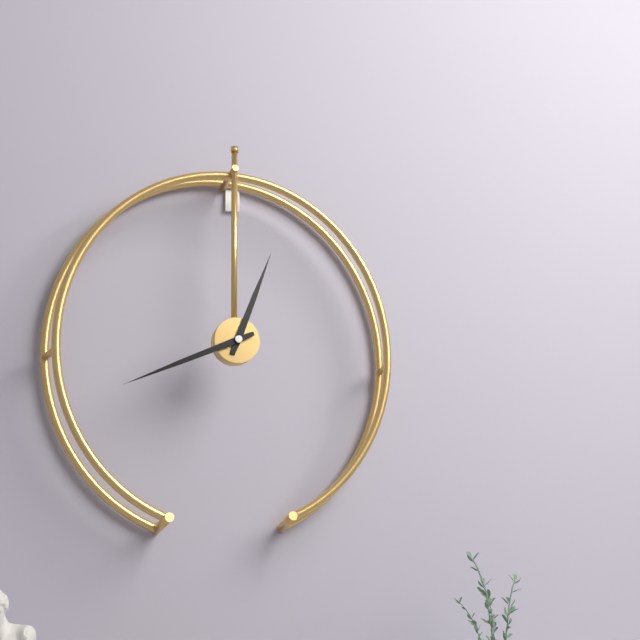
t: 12:41
